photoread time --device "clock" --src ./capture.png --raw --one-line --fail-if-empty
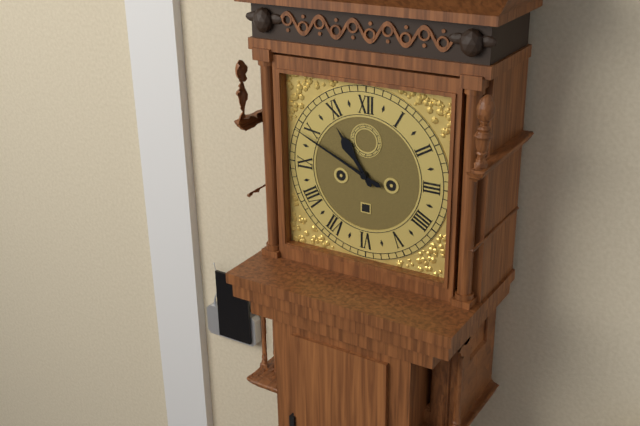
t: 10:49
